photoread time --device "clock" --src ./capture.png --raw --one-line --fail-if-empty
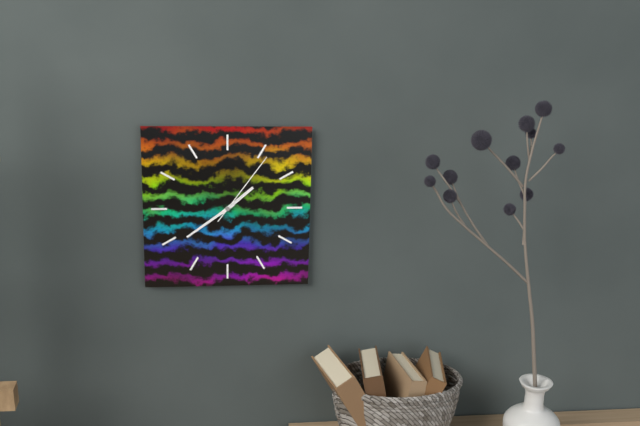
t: 1:39:06
